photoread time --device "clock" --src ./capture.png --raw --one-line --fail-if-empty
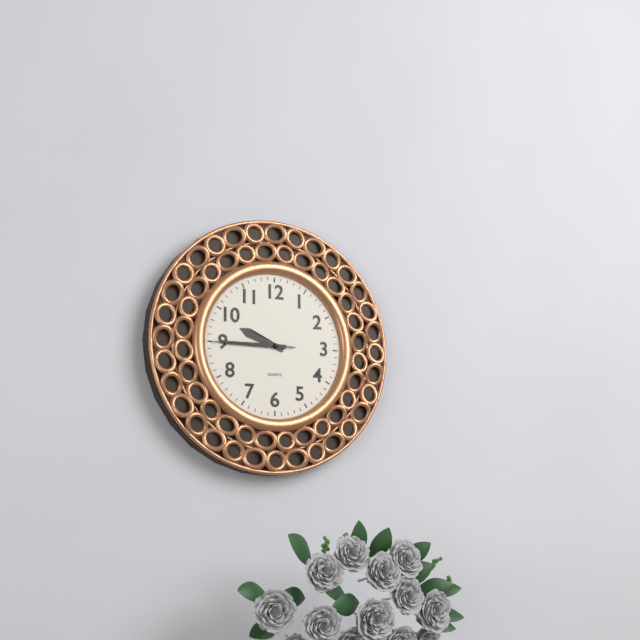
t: 9:45:45
